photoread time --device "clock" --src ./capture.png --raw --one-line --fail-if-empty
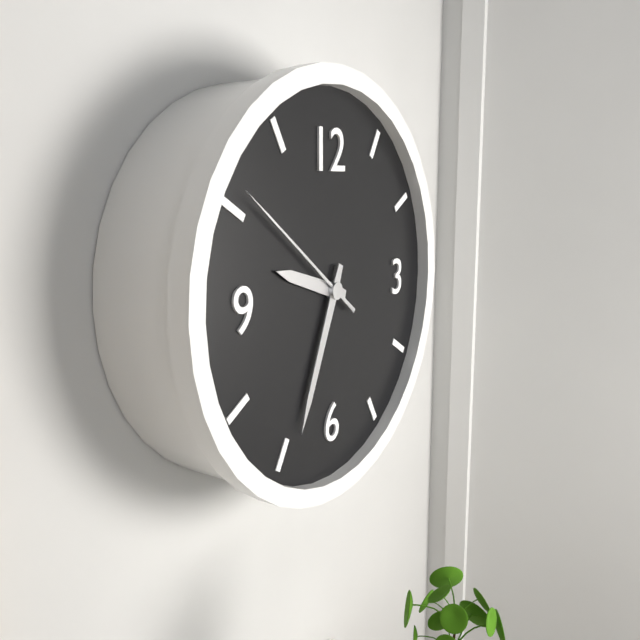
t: 9:34:51
